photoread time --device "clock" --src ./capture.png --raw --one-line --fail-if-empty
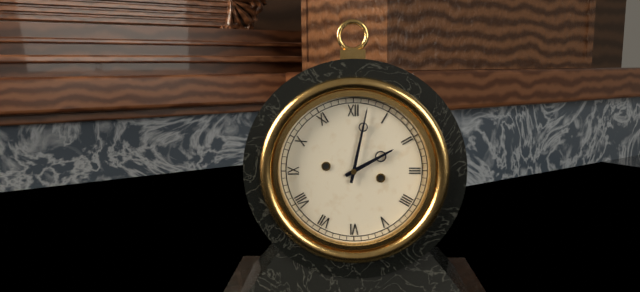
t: 2:02
